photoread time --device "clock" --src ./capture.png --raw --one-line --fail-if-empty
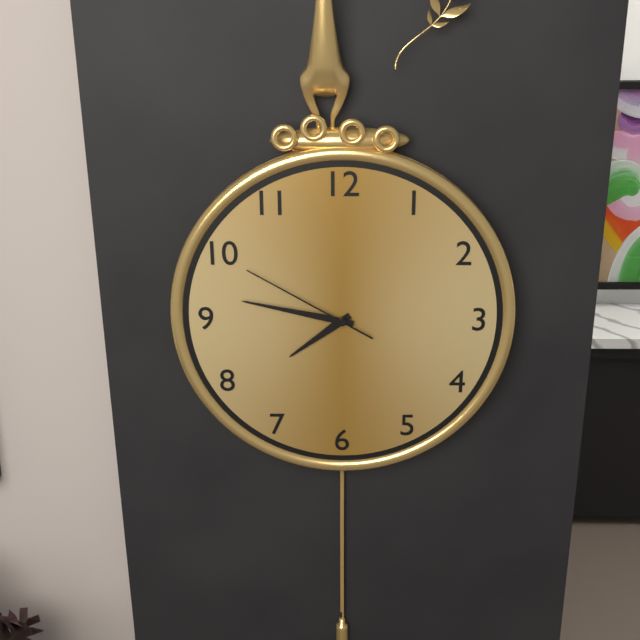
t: 7:47:50
